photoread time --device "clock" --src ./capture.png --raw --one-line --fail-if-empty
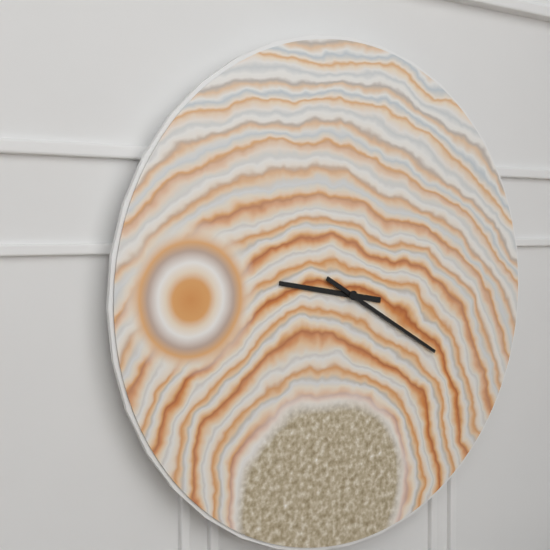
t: 9:20
